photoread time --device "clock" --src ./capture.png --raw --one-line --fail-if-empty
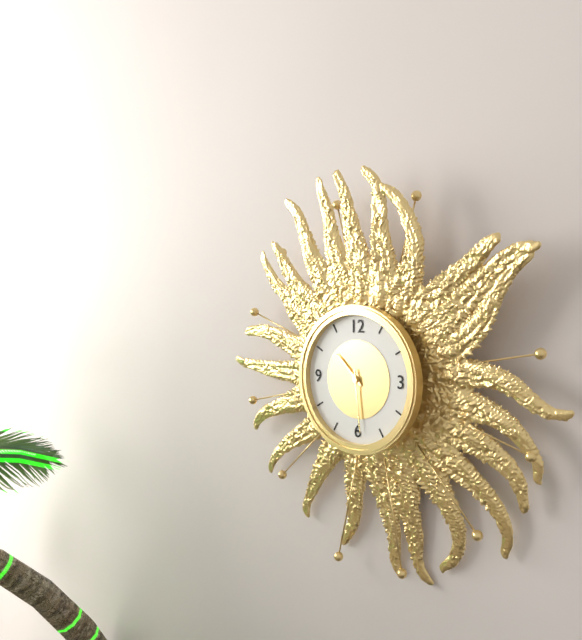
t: 10:29
